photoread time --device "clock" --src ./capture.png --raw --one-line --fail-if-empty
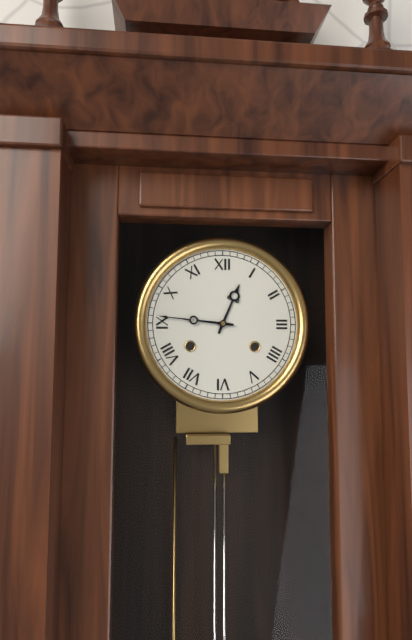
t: 12:46
